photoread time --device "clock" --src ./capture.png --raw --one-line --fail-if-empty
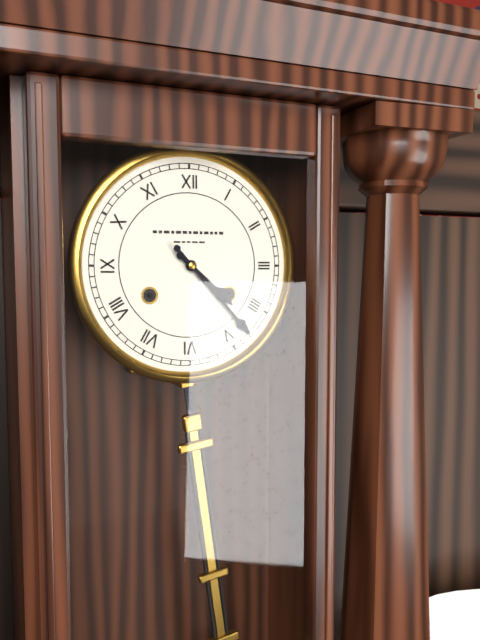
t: 4:23
